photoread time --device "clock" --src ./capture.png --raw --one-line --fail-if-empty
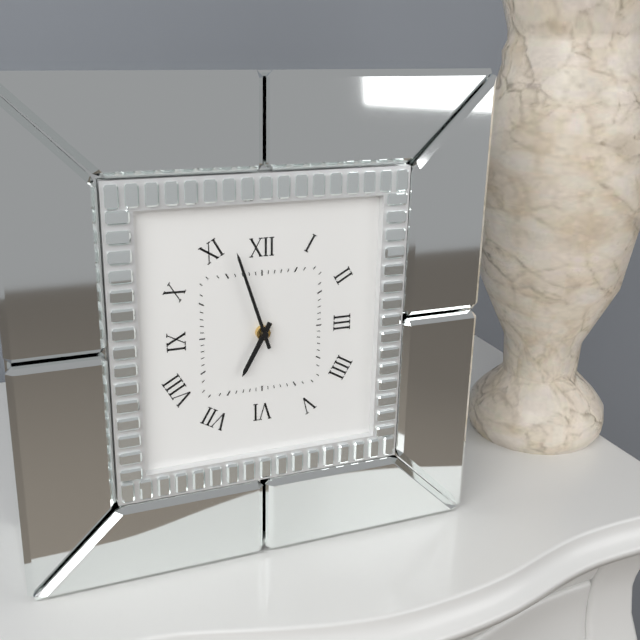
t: 6:57
